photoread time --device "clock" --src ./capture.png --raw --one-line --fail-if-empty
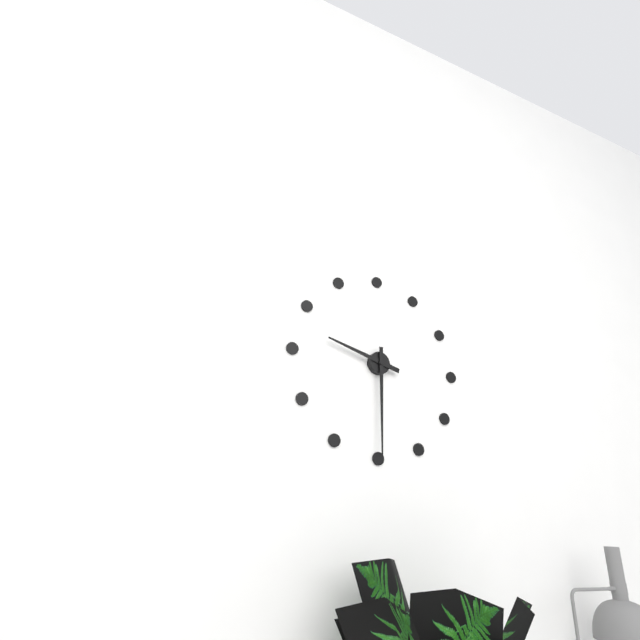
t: 9:30
